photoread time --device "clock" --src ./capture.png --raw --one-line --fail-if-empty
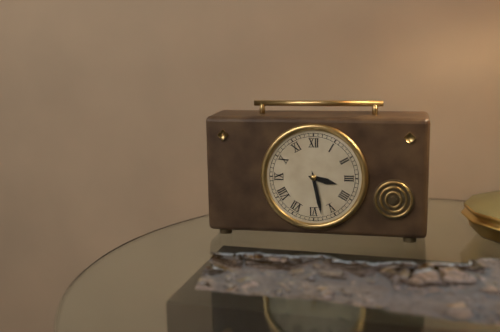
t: 3:28
